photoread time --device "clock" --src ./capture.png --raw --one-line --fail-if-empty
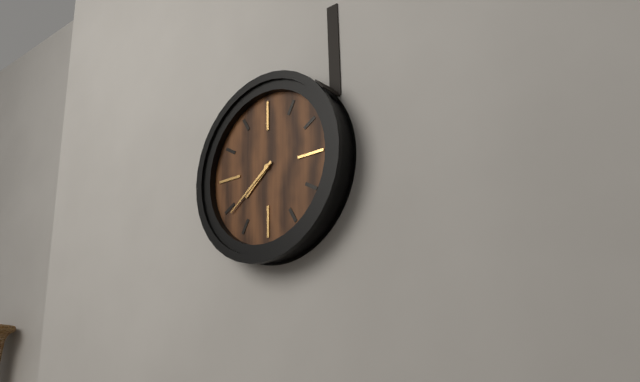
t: 7:39
